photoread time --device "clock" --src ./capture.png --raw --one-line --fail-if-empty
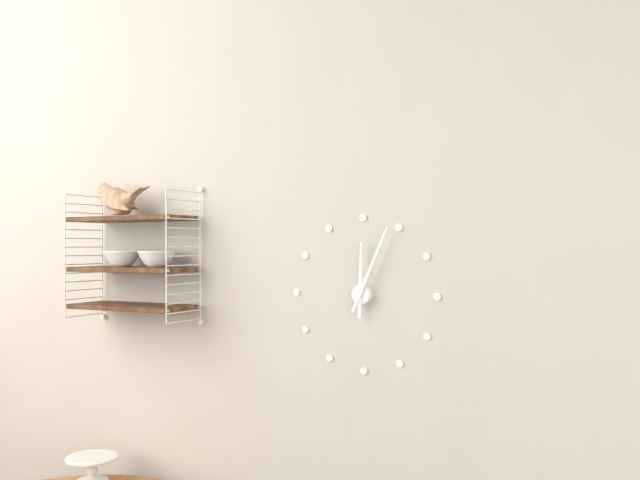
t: 12:04
